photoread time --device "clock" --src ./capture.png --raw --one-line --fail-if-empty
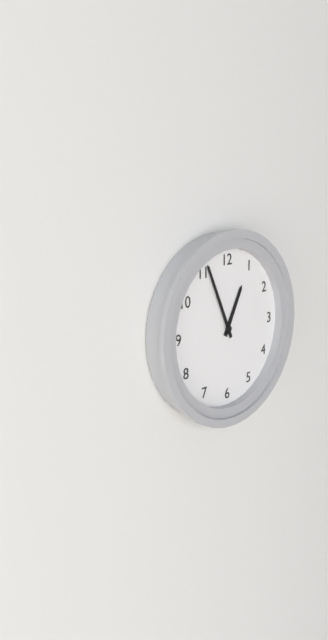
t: 12:56
